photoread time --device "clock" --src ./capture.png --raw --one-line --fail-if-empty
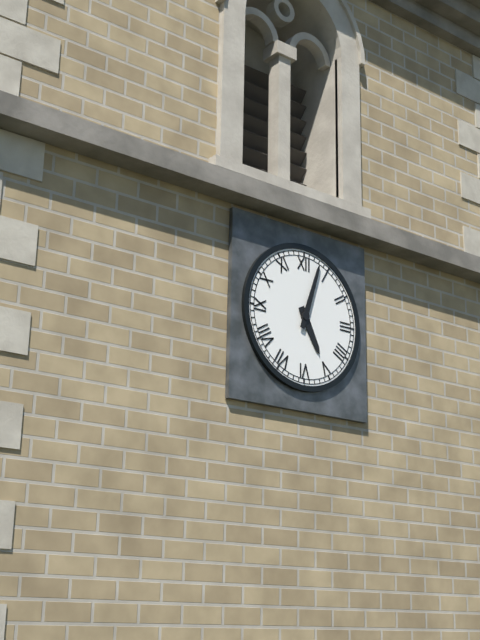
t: 5:03
